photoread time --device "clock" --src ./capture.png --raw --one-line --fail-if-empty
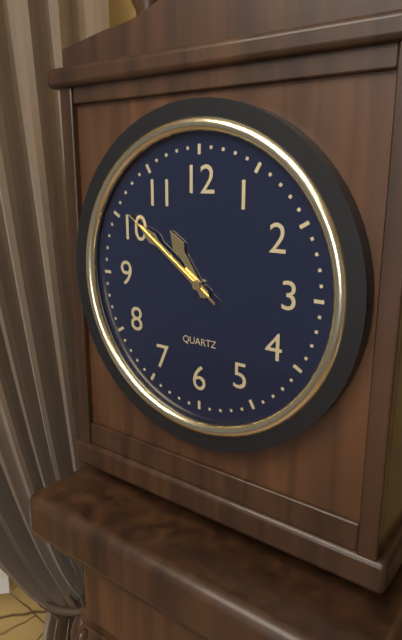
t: 10:51:51
